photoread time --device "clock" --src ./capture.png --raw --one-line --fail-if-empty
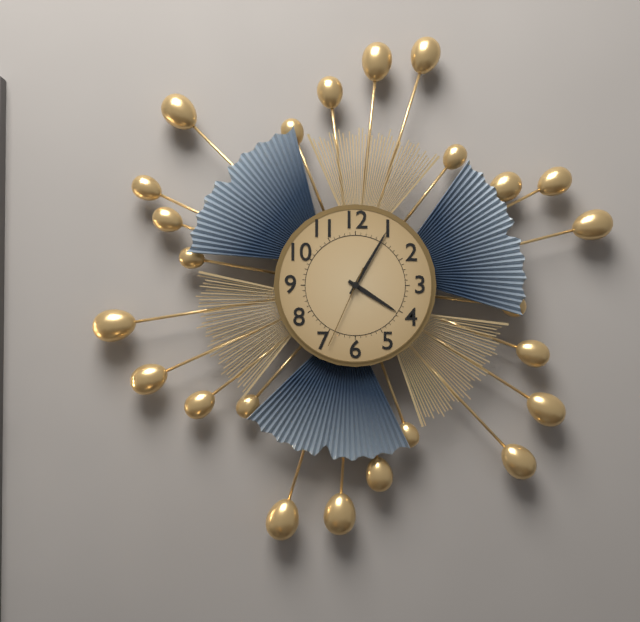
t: 4:05:34
